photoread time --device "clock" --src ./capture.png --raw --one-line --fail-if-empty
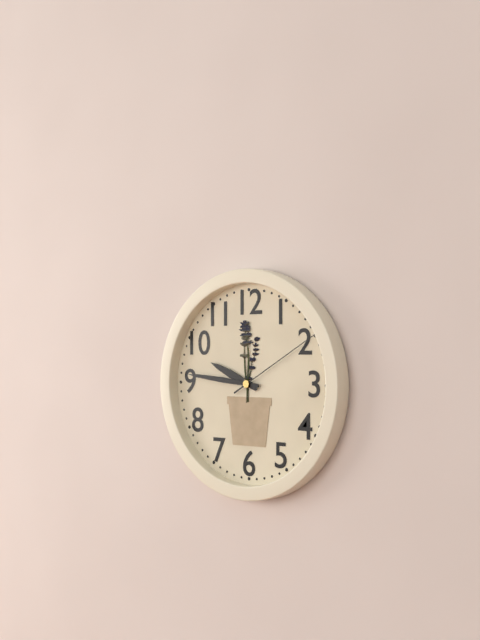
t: 9:46:10
